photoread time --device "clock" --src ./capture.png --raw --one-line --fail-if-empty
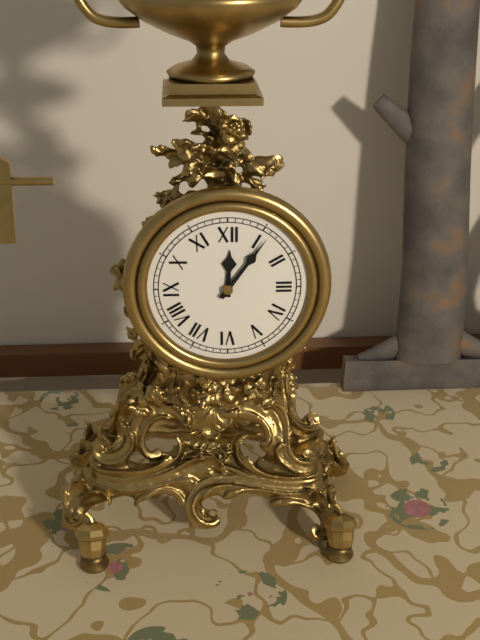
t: 12:06
